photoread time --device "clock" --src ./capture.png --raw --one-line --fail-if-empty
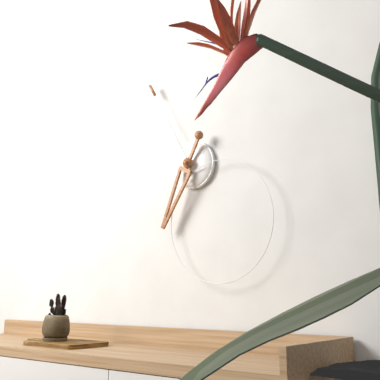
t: 6:55
